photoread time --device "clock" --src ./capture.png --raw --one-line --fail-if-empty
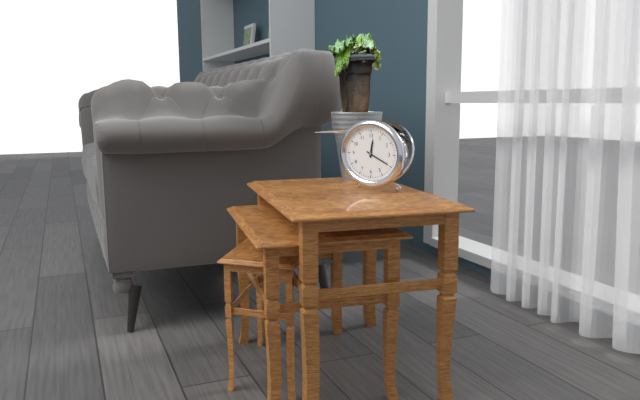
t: 12:19
